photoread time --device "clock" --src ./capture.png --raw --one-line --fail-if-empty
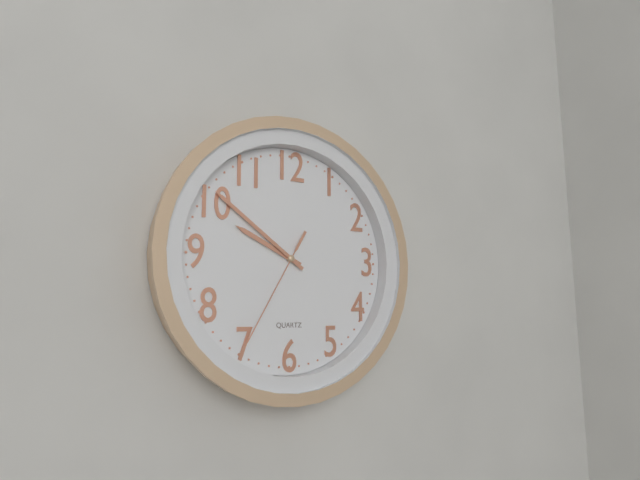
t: 9:51:35
